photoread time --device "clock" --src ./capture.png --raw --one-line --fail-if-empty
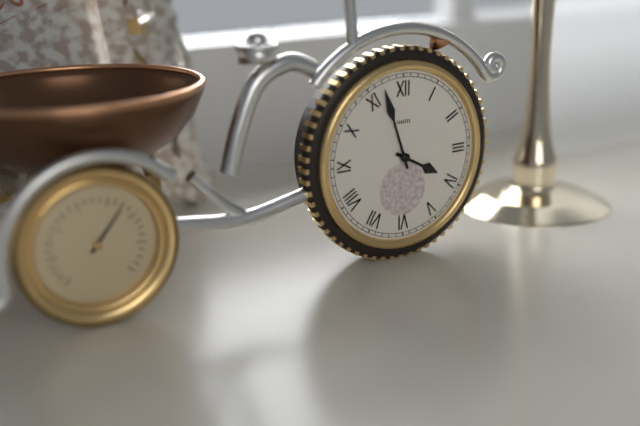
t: 3:57
